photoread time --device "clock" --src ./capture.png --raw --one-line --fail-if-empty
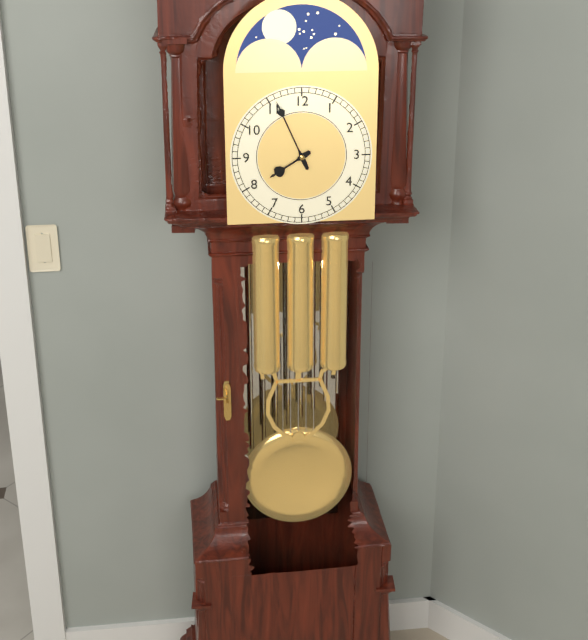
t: 7:56
